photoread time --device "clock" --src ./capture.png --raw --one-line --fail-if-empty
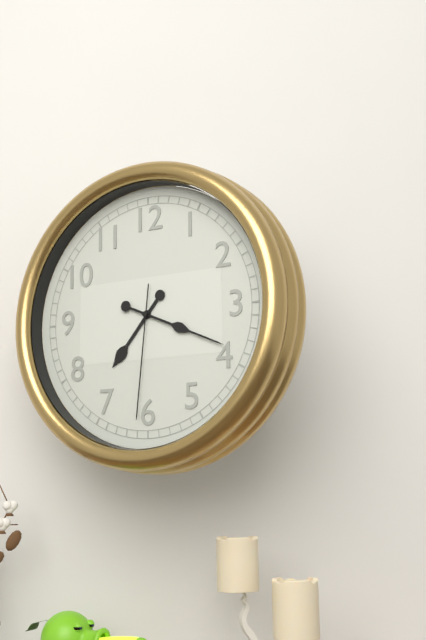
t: 7:19:31
